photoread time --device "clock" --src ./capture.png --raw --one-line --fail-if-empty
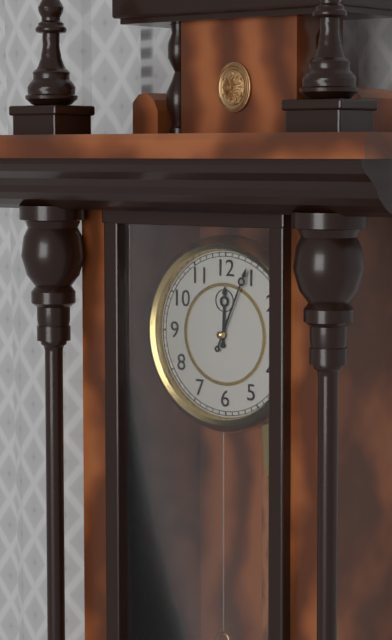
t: 12:04
